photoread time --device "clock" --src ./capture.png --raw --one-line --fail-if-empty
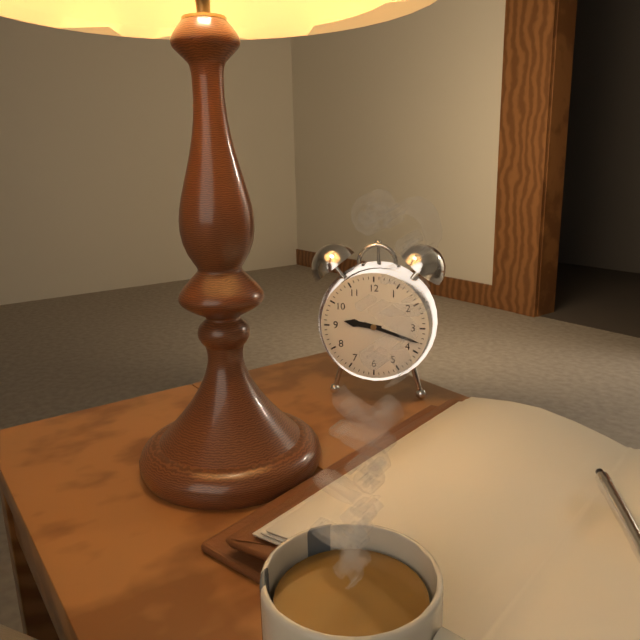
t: 9:18
